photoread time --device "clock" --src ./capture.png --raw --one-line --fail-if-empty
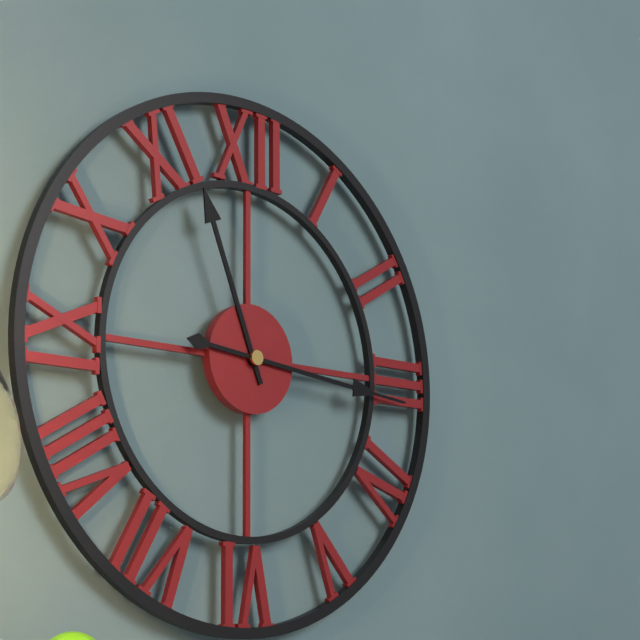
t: 11:16
